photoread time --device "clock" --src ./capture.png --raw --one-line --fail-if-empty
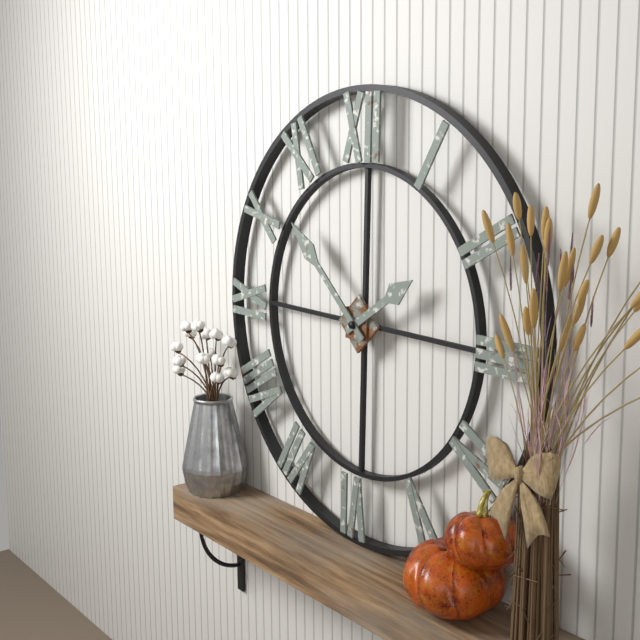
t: 1:52
